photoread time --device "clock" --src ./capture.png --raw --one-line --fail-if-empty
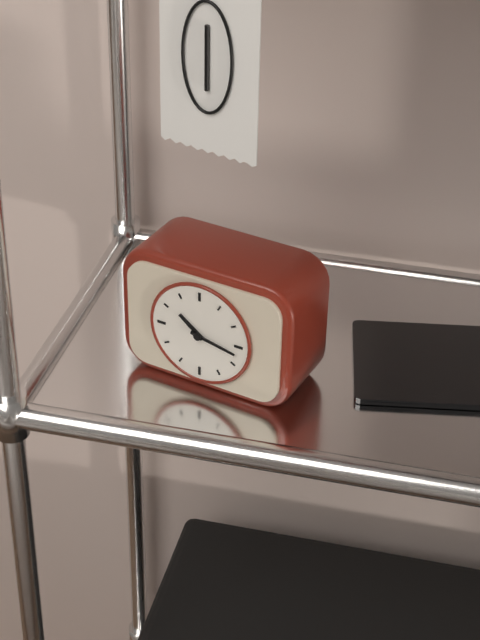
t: 10:17
